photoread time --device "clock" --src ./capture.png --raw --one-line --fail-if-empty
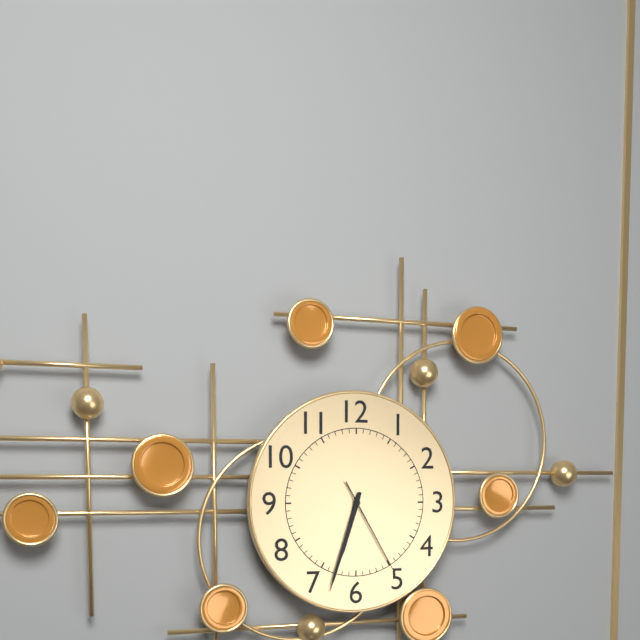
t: 6:33:25
